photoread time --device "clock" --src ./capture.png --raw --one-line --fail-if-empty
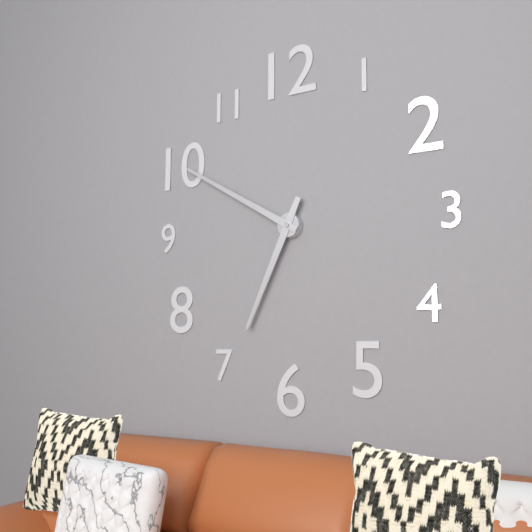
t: 6:50
